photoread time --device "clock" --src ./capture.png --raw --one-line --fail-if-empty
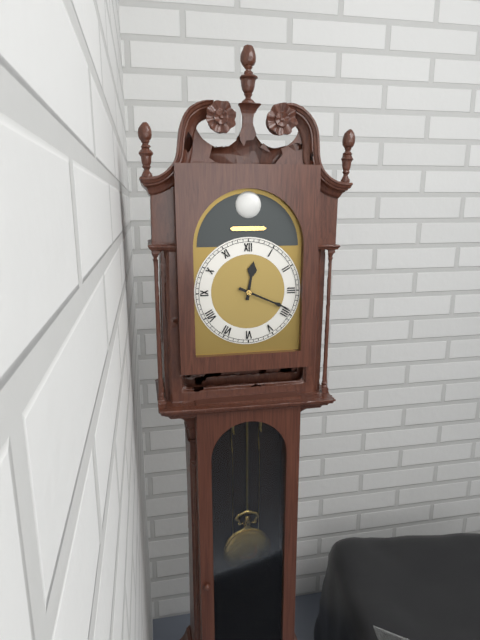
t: 12:19
